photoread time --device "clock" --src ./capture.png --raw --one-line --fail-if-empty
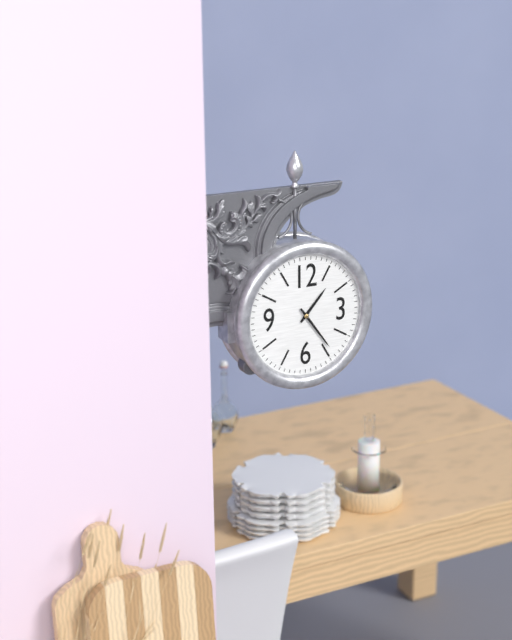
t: 1:24
